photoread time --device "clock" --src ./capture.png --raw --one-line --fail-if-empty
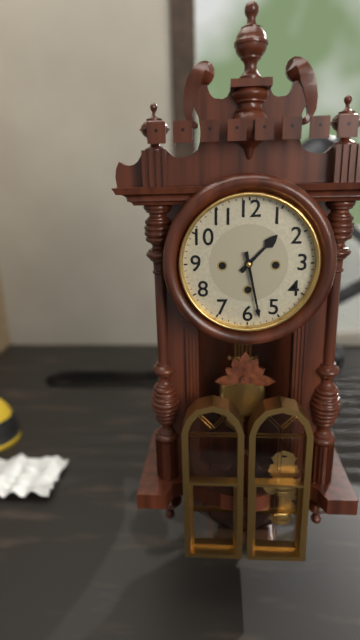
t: 1:28
